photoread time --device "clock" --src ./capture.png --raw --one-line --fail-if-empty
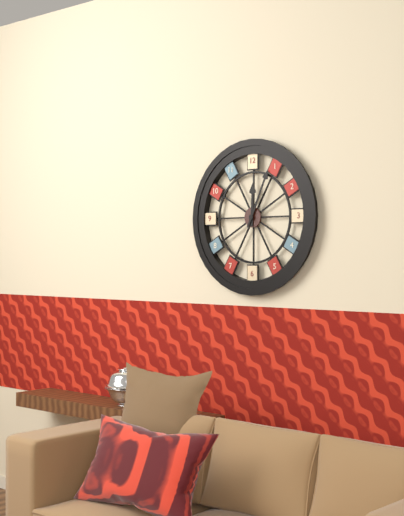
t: 12:04
